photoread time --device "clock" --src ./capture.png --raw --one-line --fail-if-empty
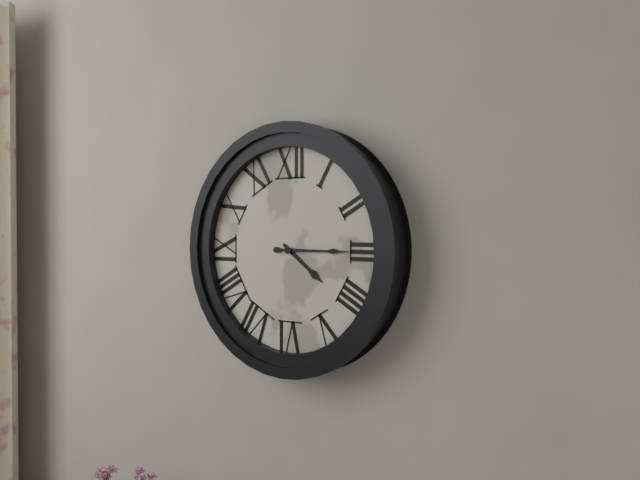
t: 4:15
